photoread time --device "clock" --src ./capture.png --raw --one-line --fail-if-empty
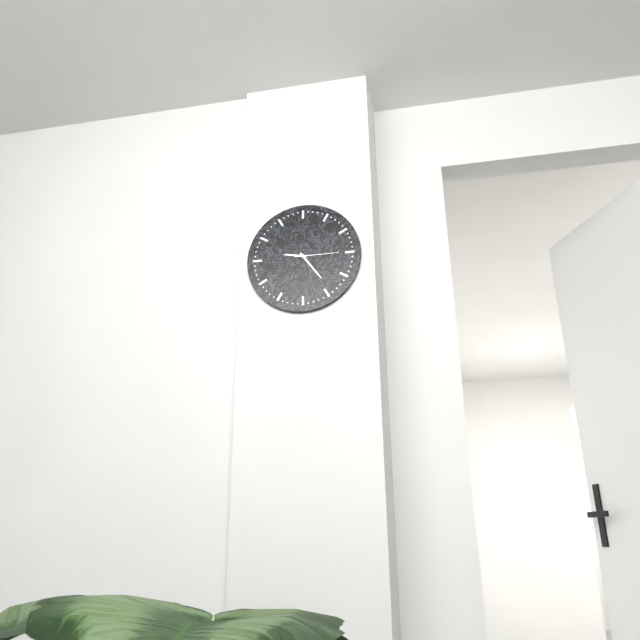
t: 9:24
